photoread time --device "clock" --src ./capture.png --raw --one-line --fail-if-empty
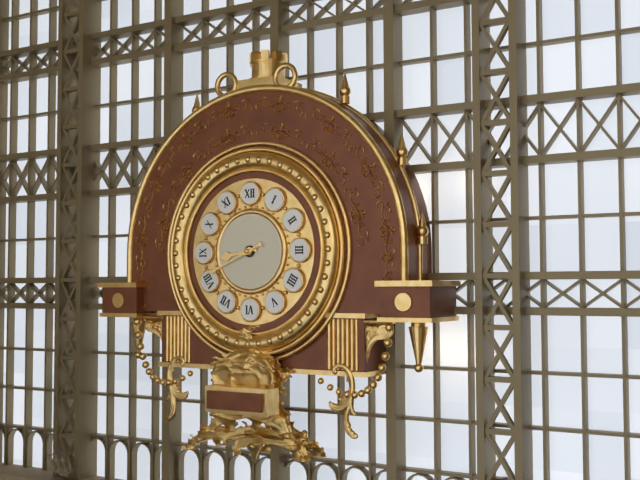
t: 8:41
